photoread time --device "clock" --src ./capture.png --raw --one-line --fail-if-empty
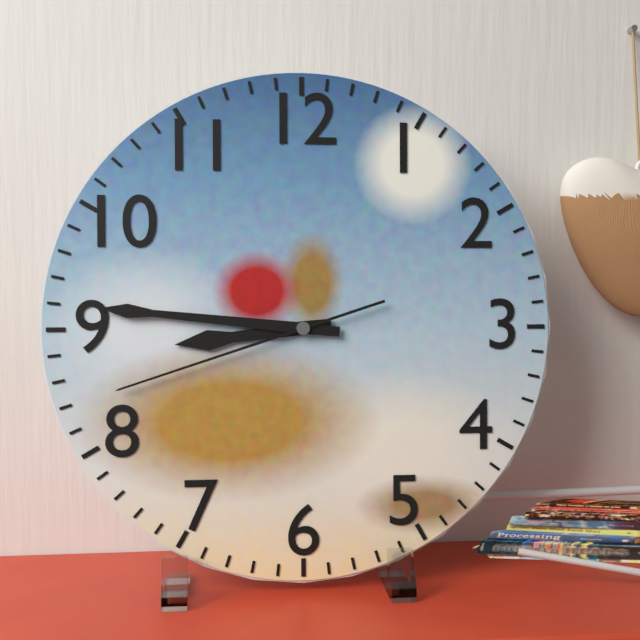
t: 8:46:42
